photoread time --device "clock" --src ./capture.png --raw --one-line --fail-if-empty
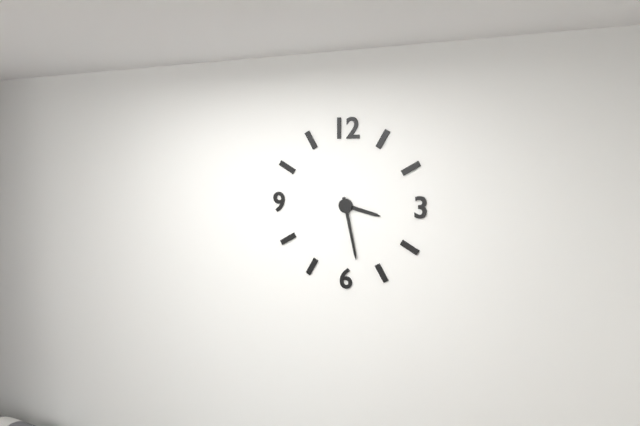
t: 3:28
